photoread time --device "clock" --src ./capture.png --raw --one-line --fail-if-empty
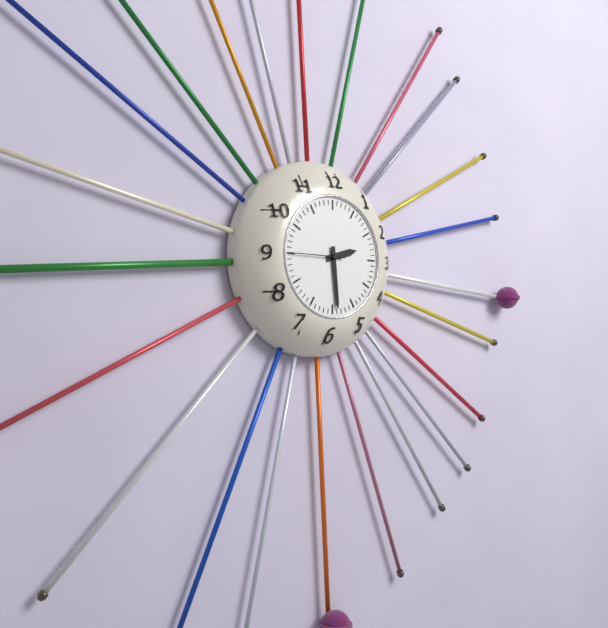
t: 2:29:45
